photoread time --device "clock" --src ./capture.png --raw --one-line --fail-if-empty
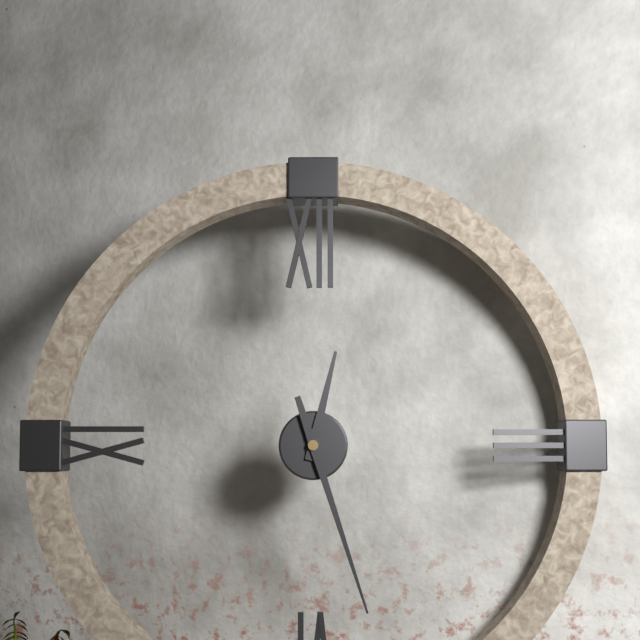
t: 12:27
